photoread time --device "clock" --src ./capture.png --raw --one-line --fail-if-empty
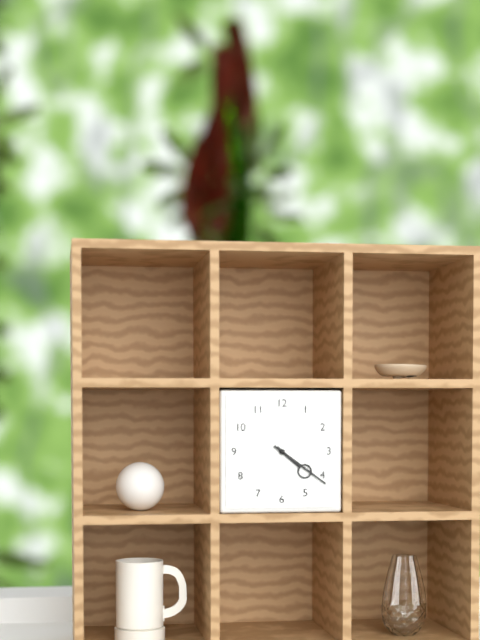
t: 4:21
